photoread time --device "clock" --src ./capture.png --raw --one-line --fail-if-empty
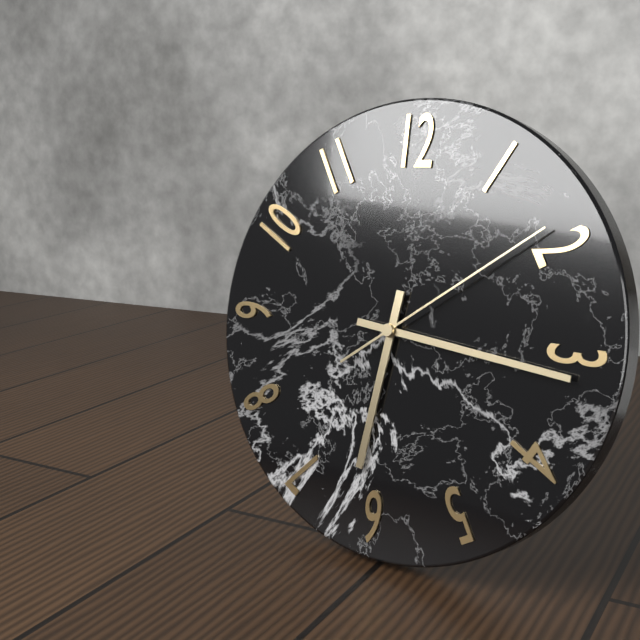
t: 6:16:09
